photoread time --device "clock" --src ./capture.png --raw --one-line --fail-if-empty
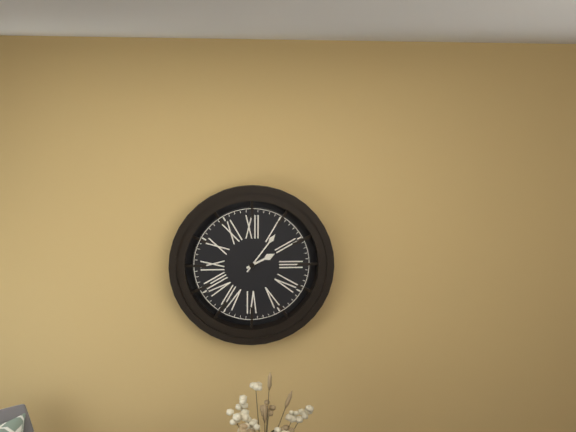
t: 2:06
